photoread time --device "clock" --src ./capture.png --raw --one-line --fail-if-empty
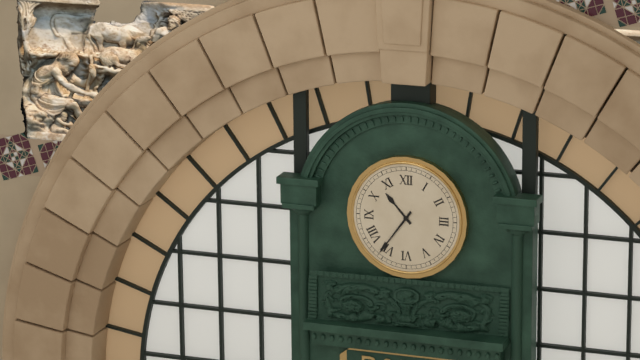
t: 10:36
